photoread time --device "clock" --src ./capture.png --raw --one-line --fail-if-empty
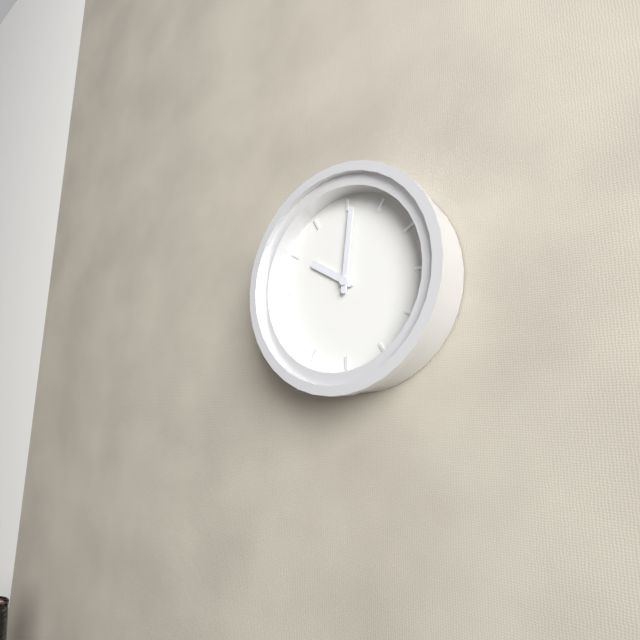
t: 10:01
